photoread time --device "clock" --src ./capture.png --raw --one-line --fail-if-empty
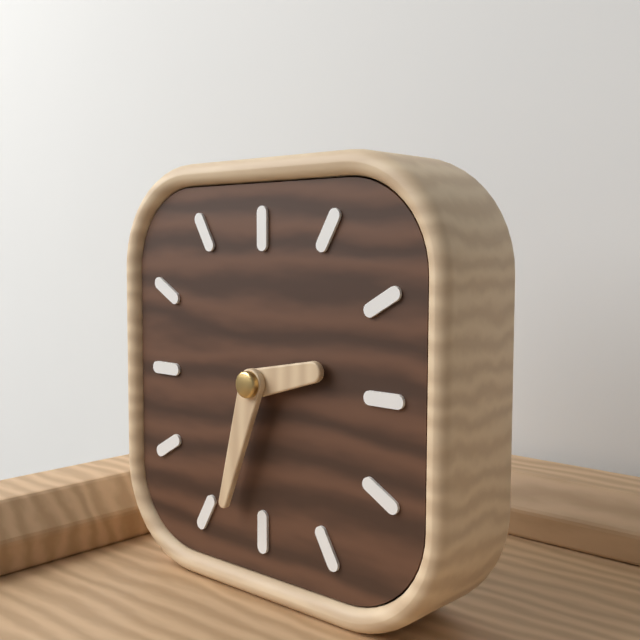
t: 2:33
